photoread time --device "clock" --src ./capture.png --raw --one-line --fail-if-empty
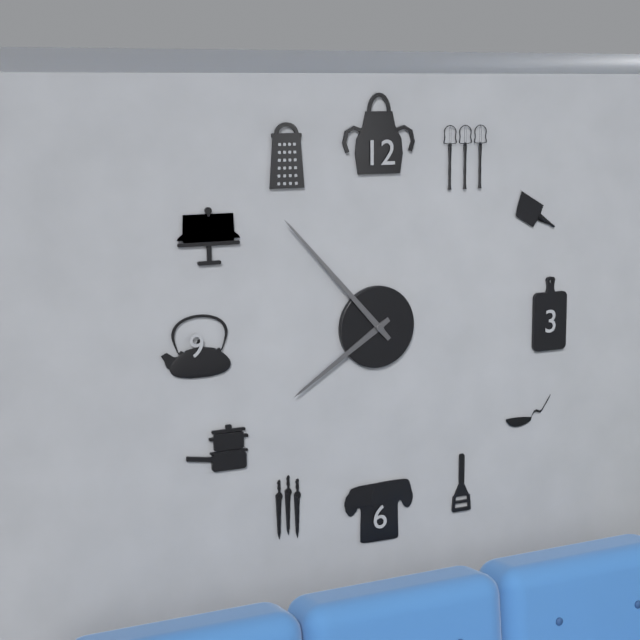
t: 7:53
